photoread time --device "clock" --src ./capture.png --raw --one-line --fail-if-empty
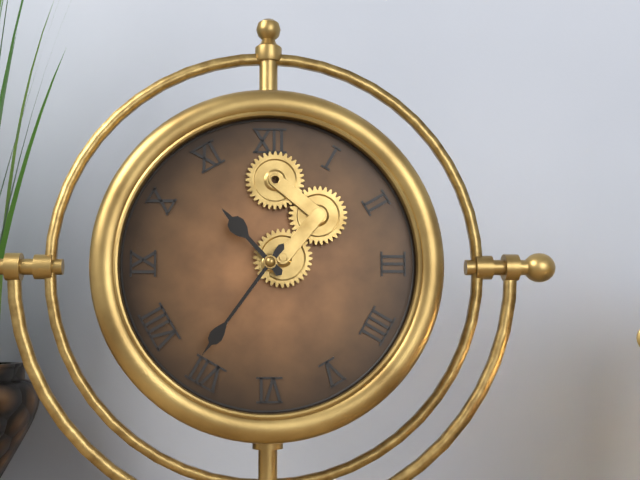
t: 10:36
